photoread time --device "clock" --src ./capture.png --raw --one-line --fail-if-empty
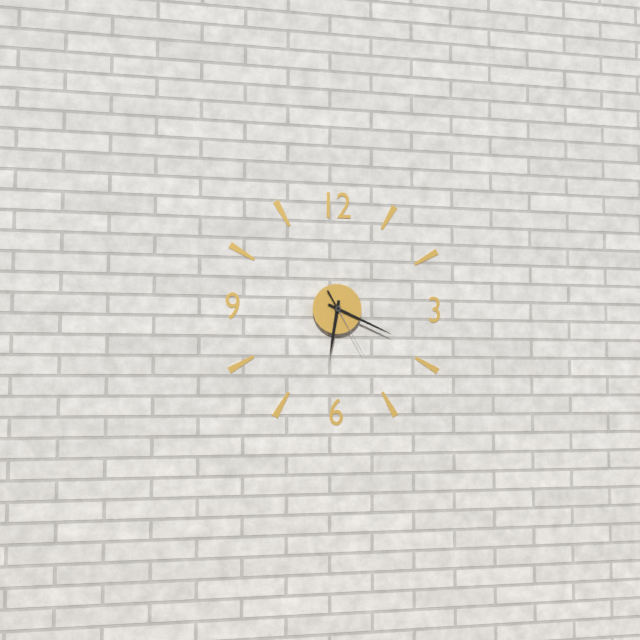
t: 6:19:25
